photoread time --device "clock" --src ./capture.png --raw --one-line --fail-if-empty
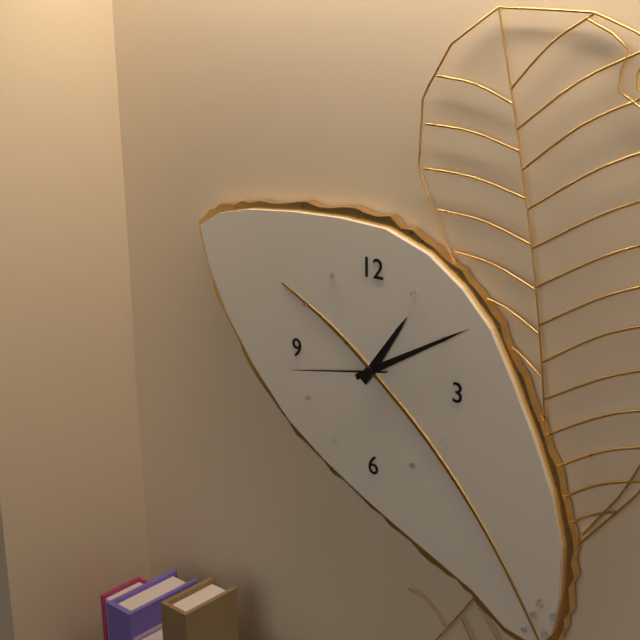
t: 1:10:43
